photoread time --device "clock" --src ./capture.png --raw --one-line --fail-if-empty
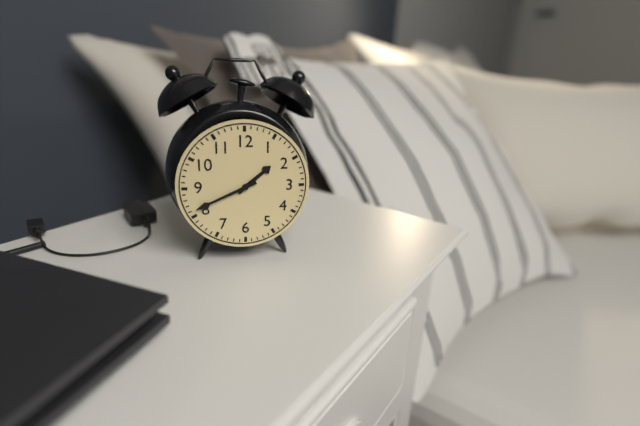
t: 1:41
